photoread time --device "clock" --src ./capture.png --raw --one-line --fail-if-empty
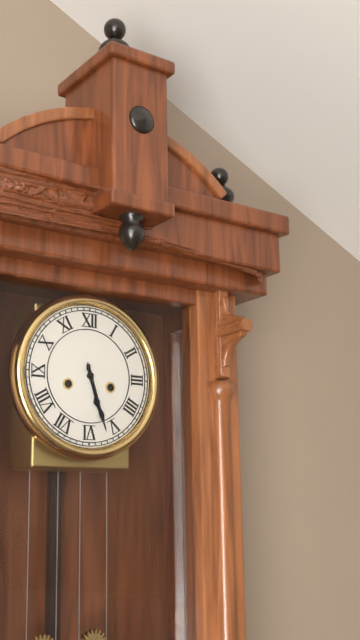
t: 5:27
